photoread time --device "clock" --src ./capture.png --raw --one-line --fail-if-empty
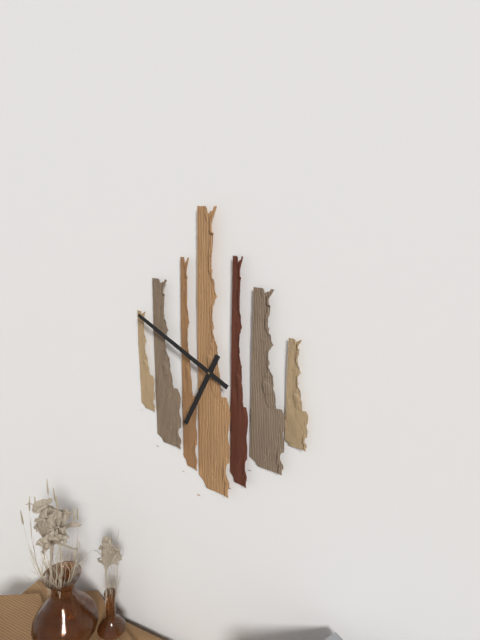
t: 6:50
